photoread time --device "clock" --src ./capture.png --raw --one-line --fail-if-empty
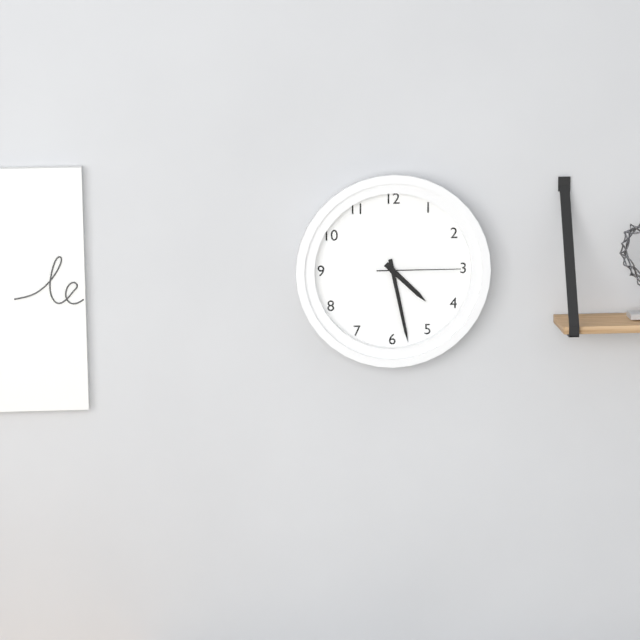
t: 4:28:15
